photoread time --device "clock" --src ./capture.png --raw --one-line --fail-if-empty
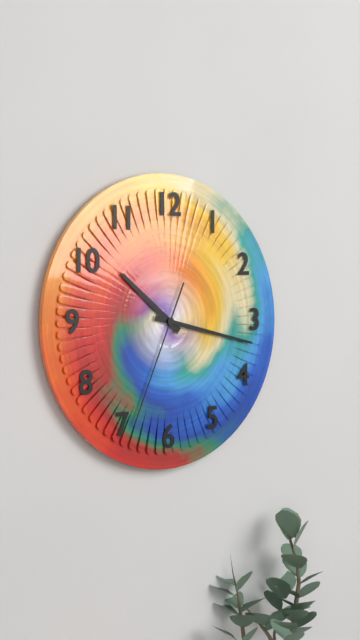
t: 10:17:34
